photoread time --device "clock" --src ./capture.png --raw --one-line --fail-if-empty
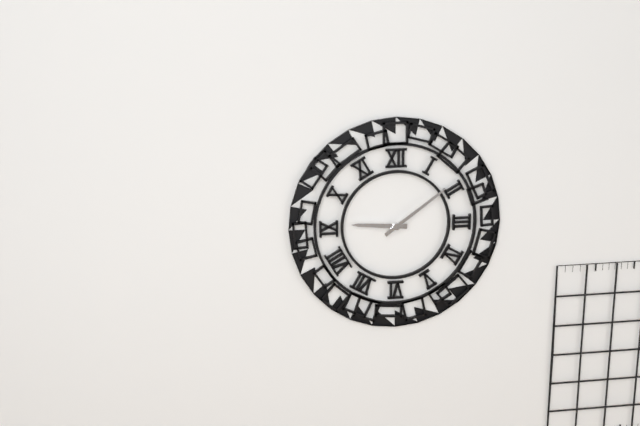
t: 9:09
